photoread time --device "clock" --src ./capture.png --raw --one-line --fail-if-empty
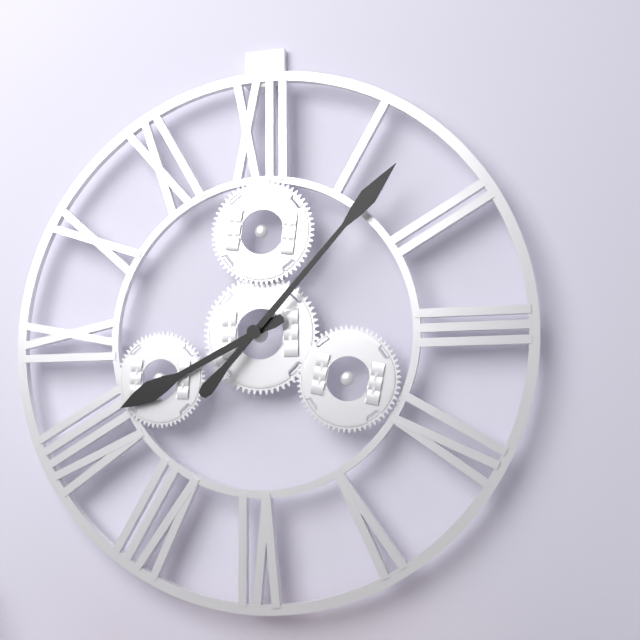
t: 8:07
